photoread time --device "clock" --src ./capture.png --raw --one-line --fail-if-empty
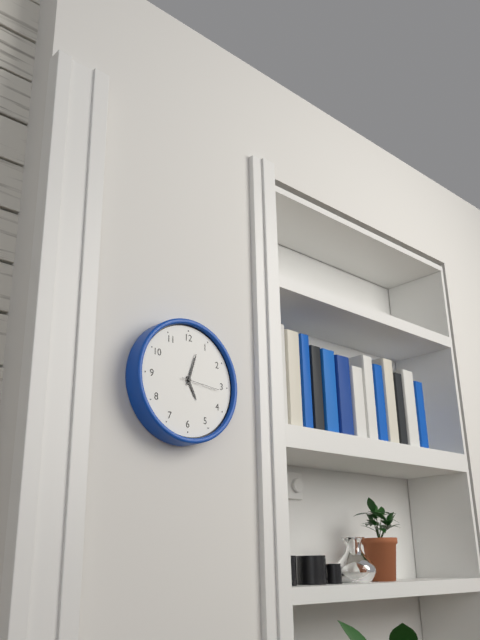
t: 5:03
